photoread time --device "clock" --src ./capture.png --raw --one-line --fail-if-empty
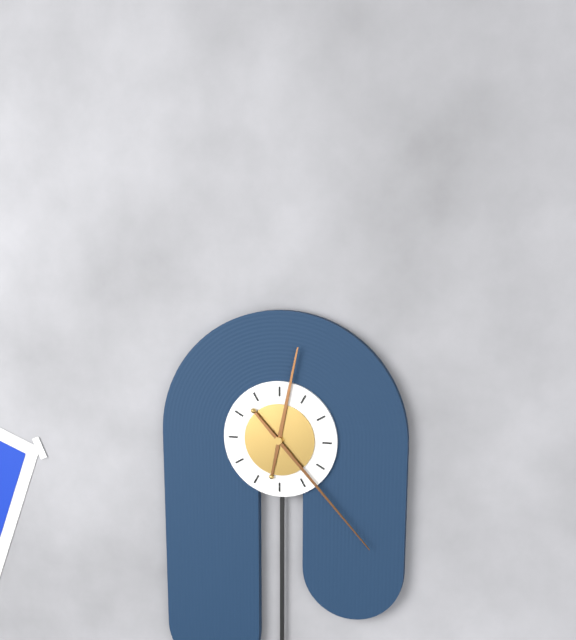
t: 12:23
